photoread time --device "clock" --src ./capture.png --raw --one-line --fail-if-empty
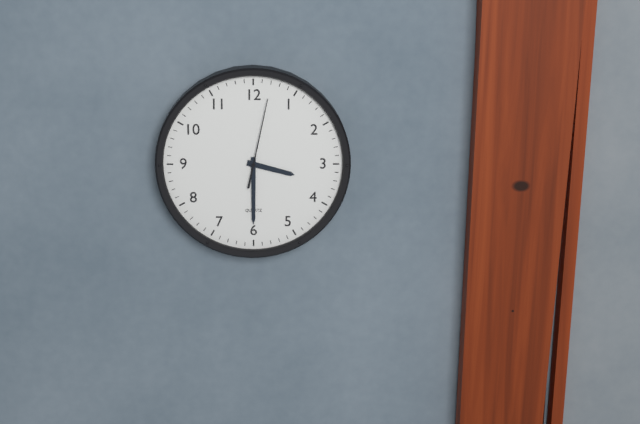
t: 3:30:02
